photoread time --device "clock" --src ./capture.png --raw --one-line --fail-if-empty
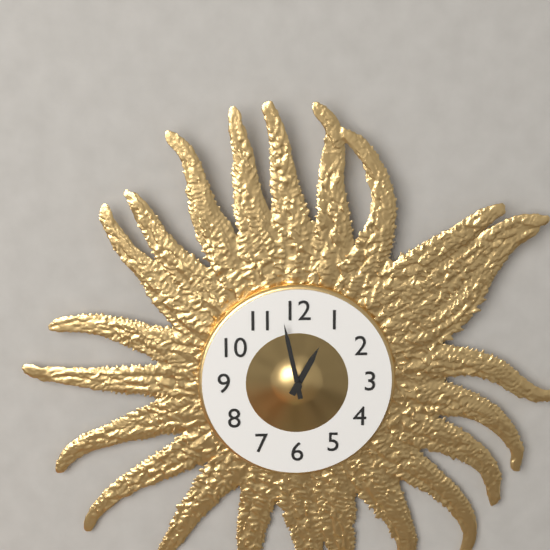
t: 12:58
